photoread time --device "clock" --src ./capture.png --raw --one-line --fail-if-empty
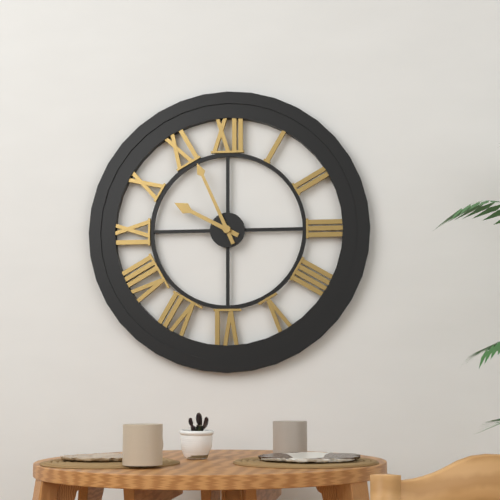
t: 9:56
